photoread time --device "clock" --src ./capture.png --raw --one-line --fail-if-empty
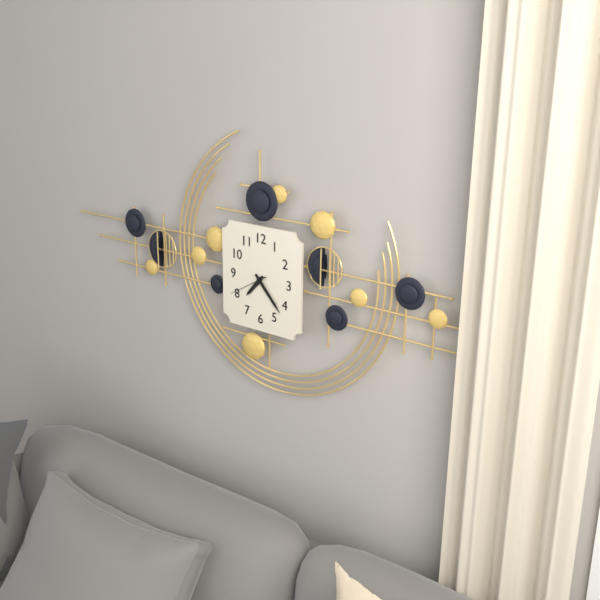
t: 7:23
